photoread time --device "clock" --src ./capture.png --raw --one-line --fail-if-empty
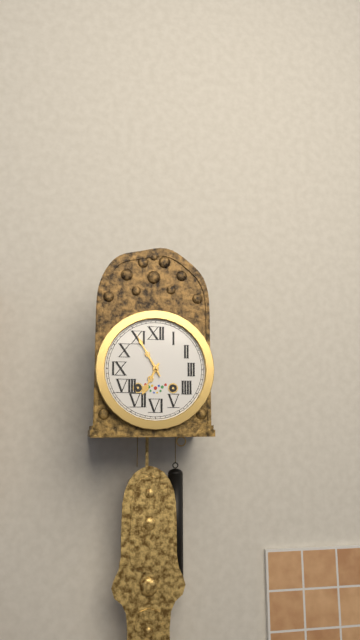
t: 6:55
